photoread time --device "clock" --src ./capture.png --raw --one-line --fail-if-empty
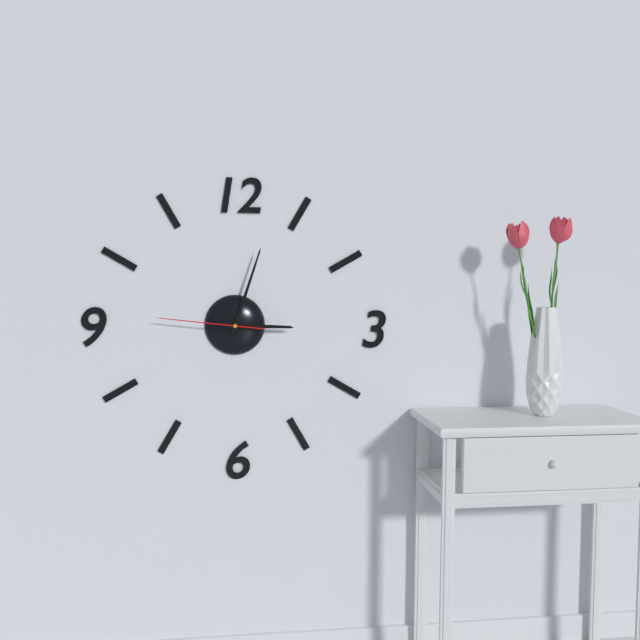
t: 3:03:46
